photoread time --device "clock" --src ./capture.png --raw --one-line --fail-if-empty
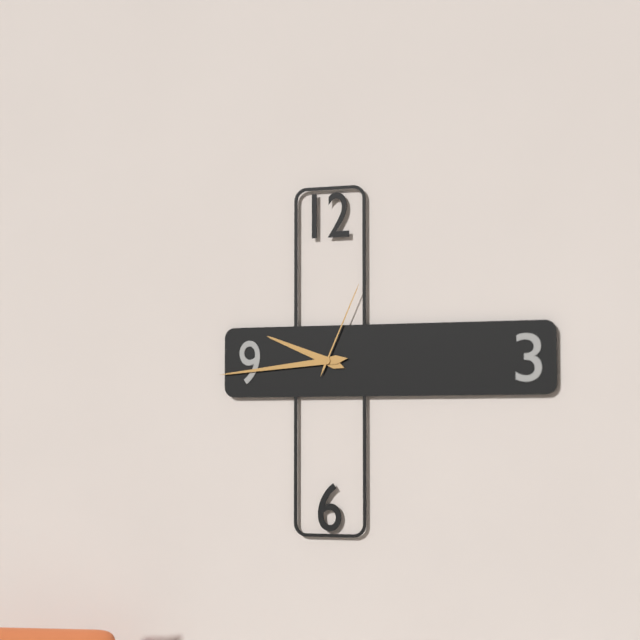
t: 9:44:04
